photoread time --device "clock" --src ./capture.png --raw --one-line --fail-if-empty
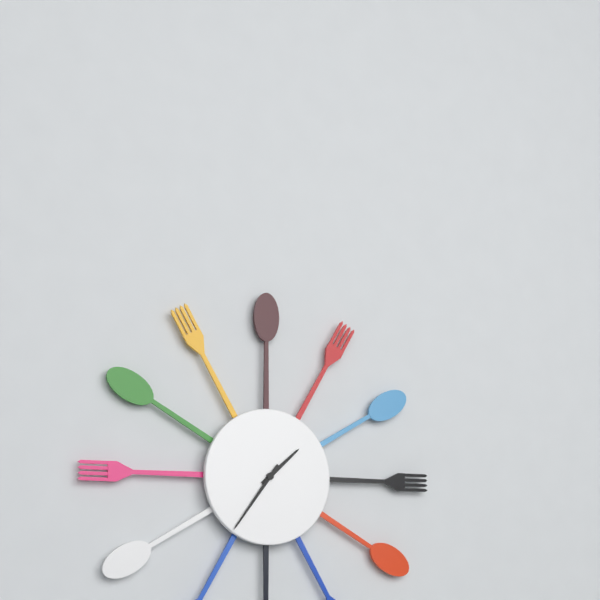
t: 1:36
